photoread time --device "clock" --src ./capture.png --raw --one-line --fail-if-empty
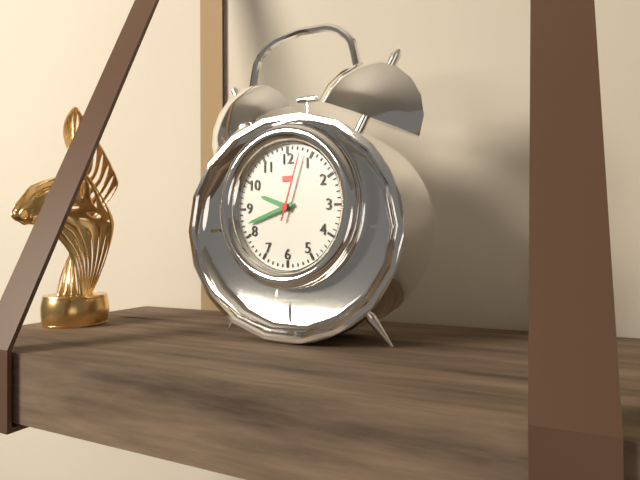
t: 9:42:03
